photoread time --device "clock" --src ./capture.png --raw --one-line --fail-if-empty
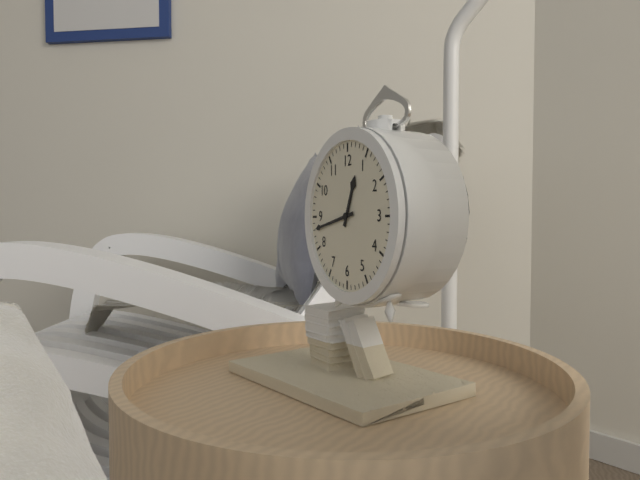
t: 12:43
